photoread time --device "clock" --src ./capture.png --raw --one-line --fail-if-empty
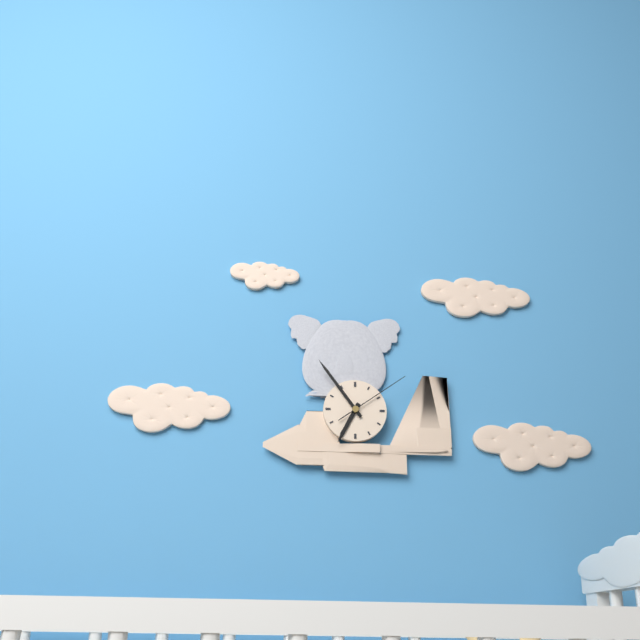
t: 6:54:09
